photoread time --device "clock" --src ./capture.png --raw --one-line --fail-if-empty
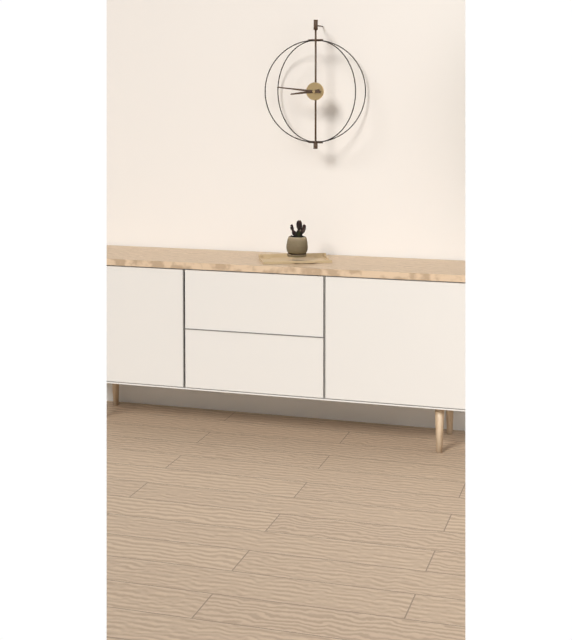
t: 8:46
